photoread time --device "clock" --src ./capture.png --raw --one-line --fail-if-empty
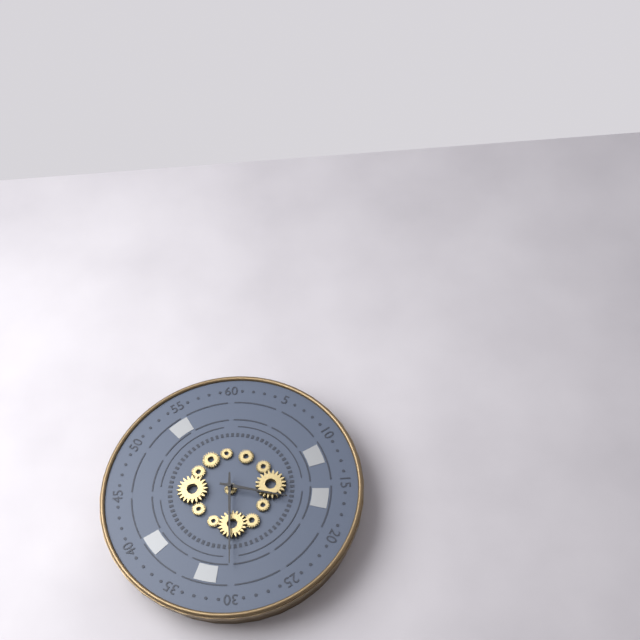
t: 3:30
